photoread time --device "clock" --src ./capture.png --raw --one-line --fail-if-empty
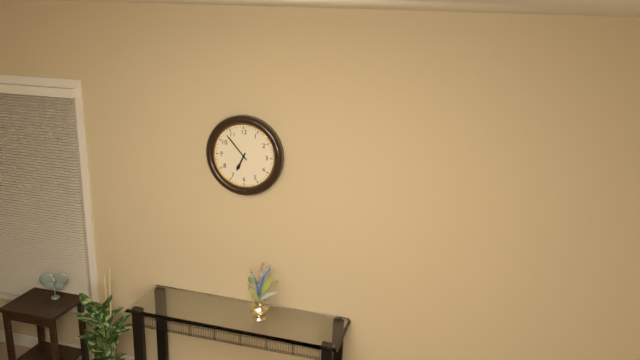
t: 6:53
